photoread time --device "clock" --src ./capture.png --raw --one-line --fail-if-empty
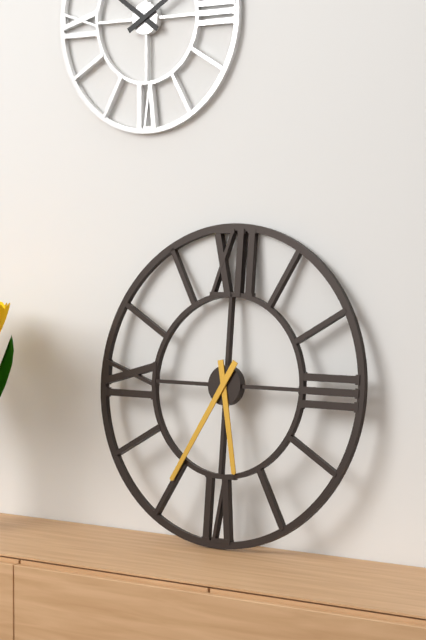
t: 5:35
